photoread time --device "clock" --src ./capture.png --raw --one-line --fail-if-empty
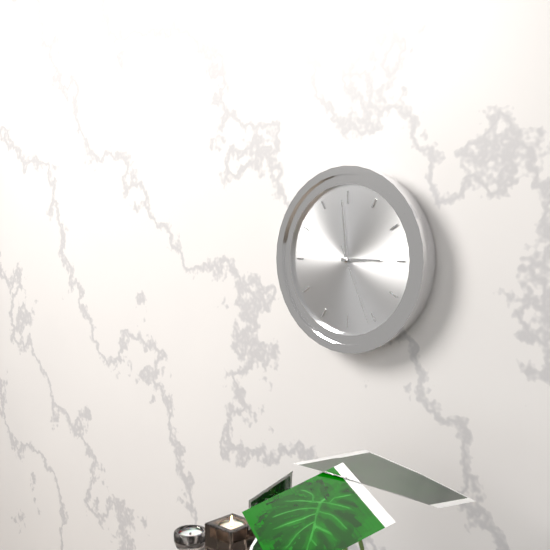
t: 2:59:26
